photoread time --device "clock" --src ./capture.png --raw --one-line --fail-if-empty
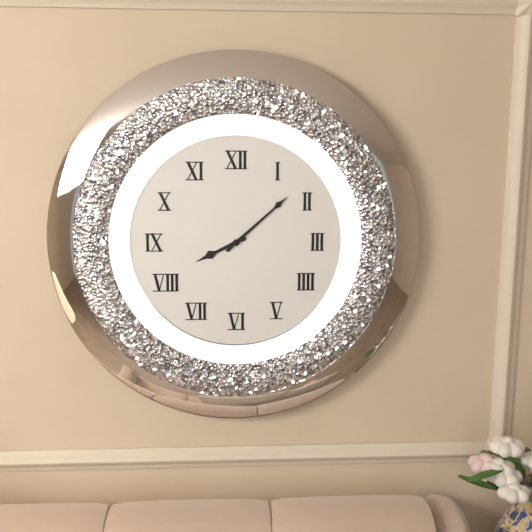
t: 8:08
